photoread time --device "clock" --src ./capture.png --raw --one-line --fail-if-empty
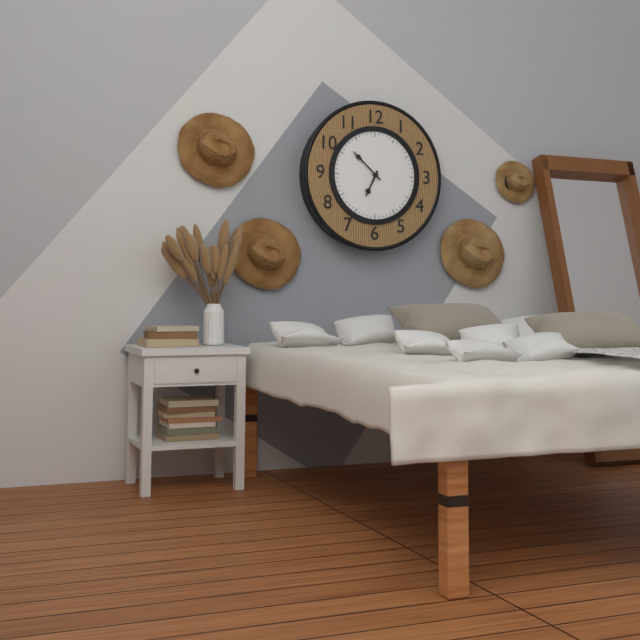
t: 6:52
